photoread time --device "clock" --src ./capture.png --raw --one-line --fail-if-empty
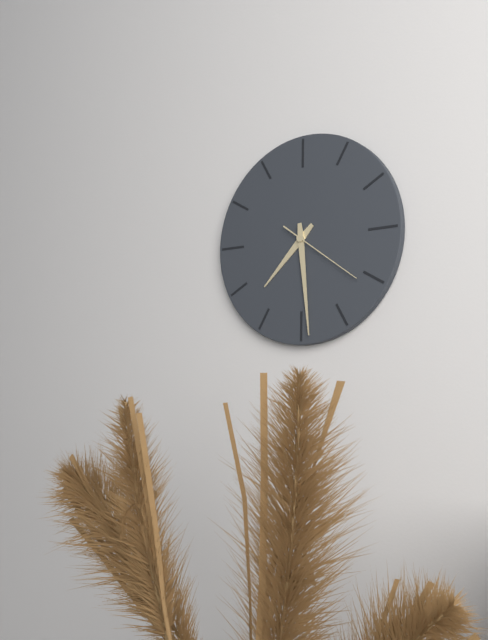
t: 7:29:21
